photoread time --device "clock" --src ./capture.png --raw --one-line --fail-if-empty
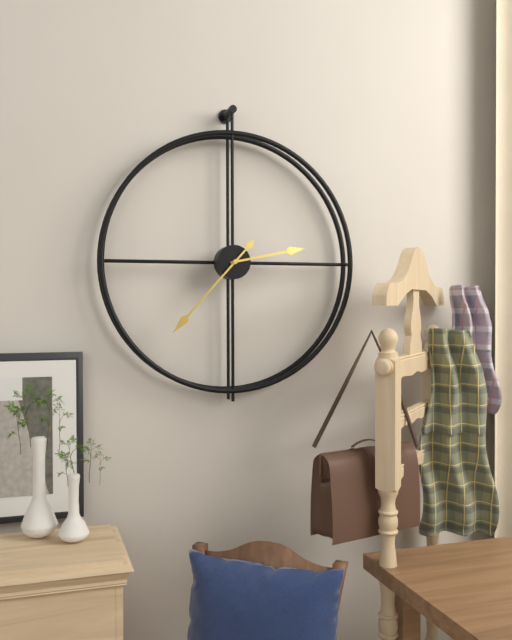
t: 2:37
